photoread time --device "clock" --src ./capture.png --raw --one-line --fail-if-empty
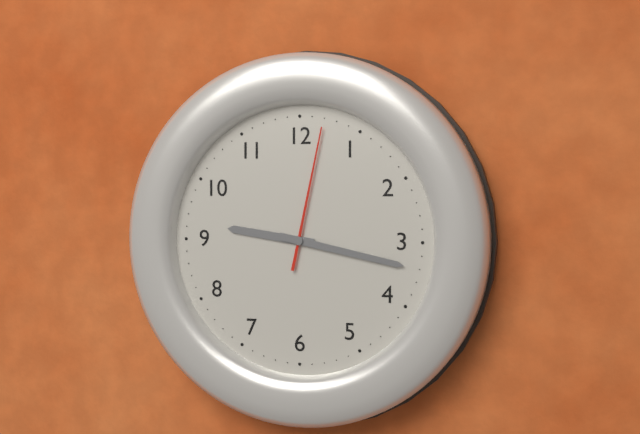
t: 9:17:02
